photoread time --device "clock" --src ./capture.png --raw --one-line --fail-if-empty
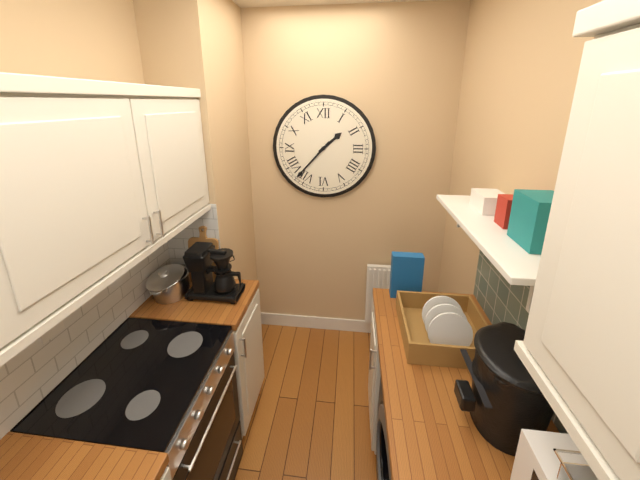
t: 1:37
